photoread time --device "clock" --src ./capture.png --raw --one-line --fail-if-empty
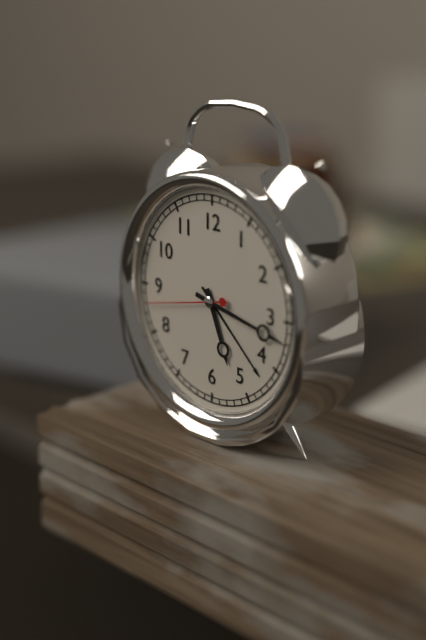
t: 5:17:43
